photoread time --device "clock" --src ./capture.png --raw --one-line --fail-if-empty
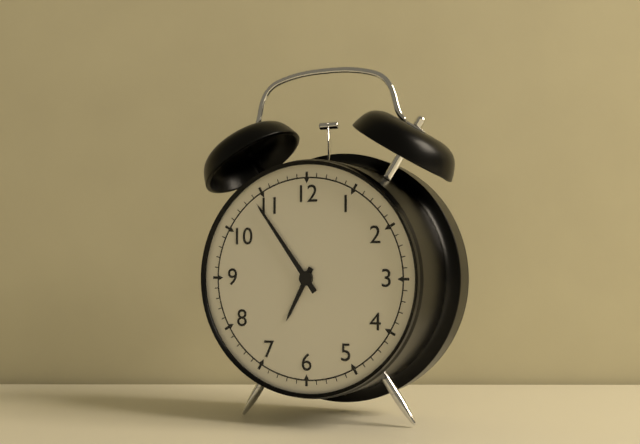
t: 6:54
